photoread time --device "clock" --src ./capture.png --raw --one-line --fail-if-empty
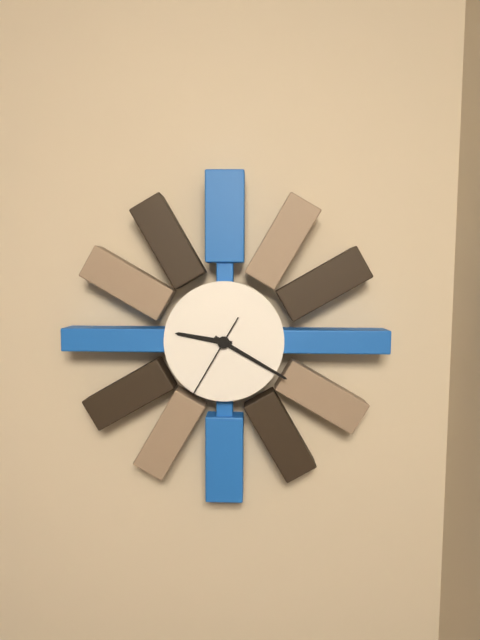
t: 9:20:35
